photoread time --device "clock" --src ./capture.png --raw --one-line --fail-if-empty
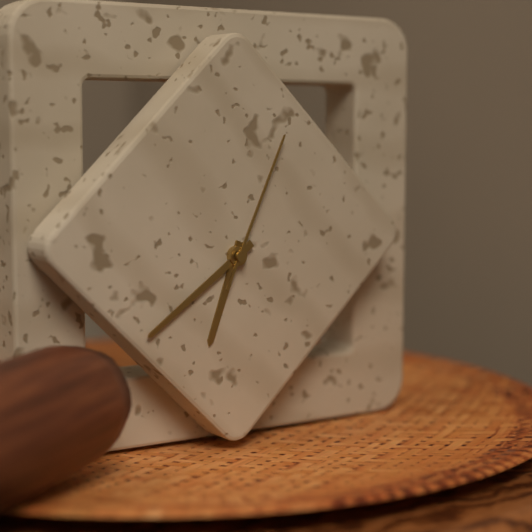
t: 6:39:04
